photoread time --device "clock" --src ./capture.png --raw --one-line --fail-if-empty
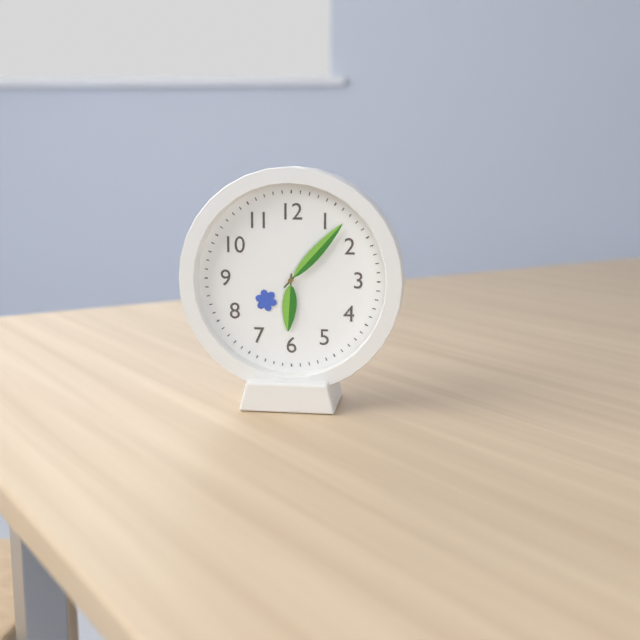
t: 6:07
